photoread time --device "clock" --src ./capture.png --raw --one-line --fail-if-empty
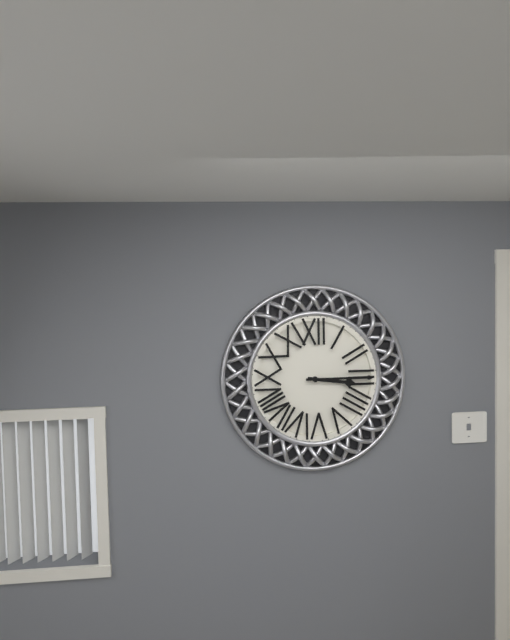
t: 3:15
